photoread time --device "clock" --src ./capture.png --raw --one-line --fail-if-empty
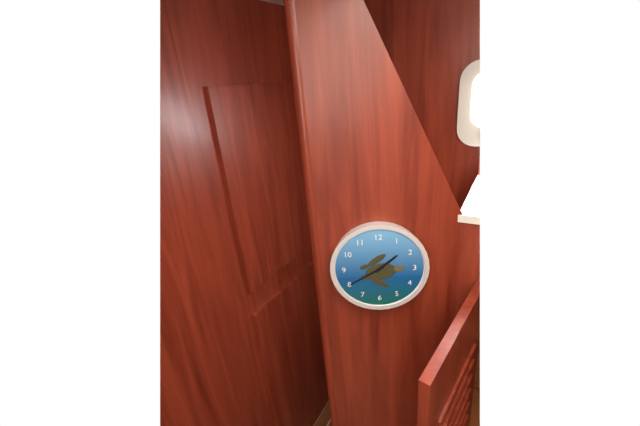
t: 1:40
